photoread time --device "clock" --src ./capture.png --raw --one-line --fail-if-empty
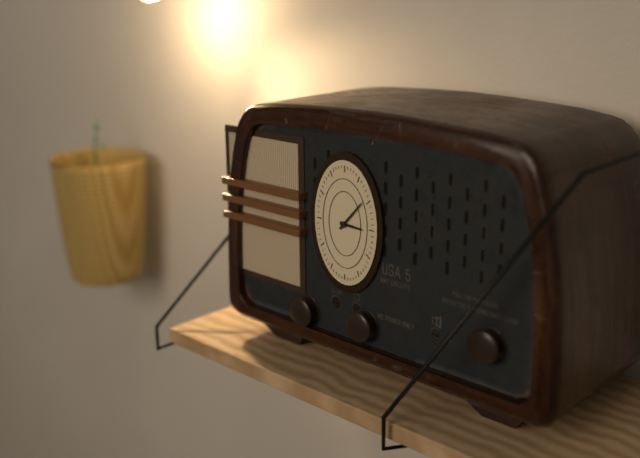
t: 3:07
